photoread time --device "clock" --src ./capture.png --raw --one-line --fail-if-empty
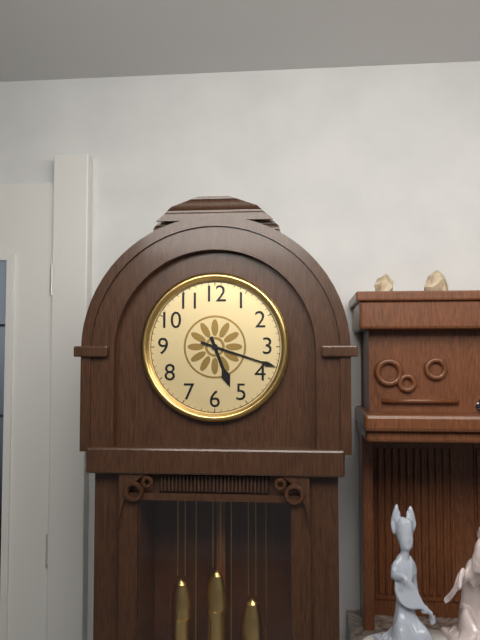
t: 5:18
